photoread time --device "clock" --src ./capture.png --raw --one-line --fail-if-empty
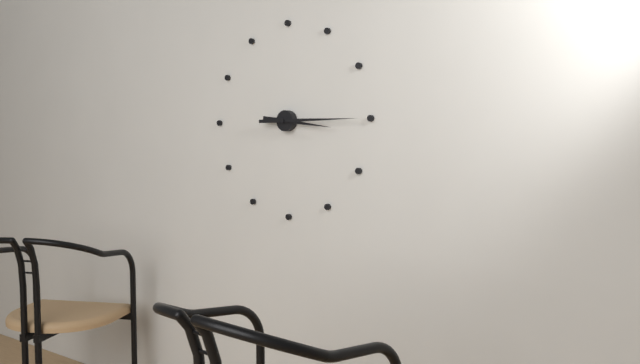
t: 3:15
